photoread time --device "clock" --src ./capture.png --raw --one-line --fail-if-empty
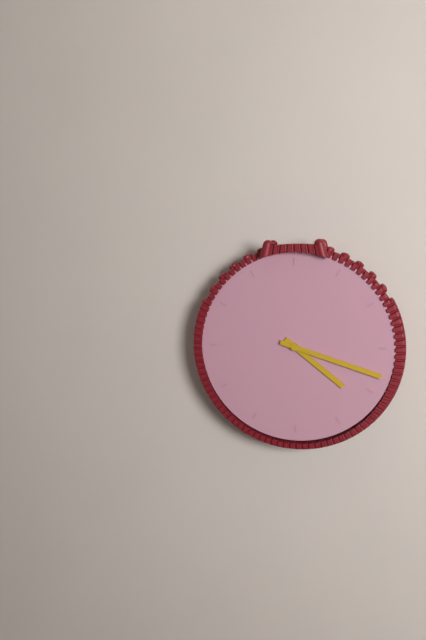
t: 4:18
